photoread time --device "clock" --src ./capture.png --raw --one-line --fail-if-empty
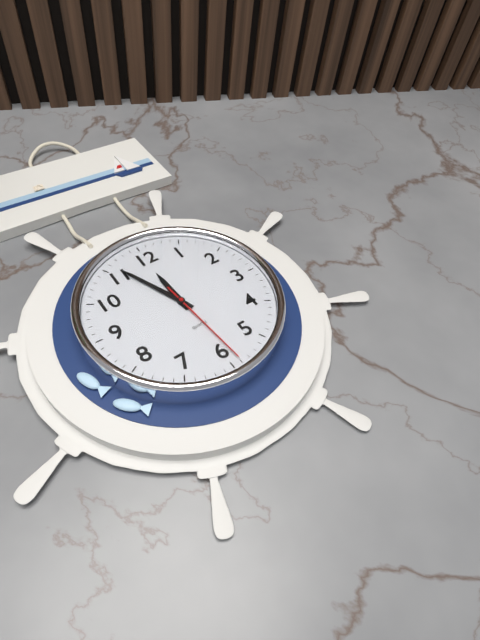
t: 11:56:29
